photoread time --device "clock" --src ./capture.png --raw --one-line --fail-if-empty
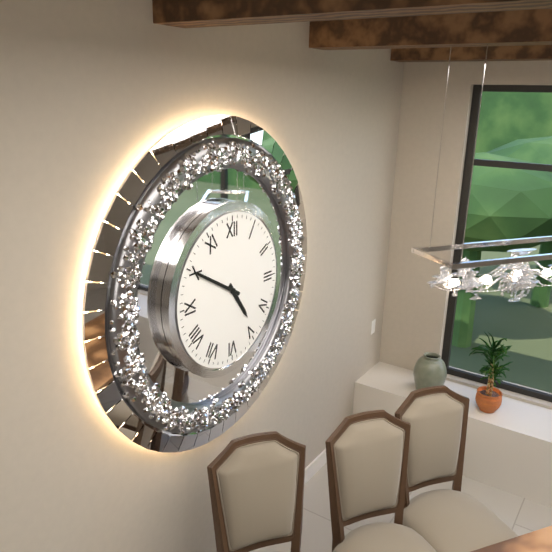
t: 4:50
